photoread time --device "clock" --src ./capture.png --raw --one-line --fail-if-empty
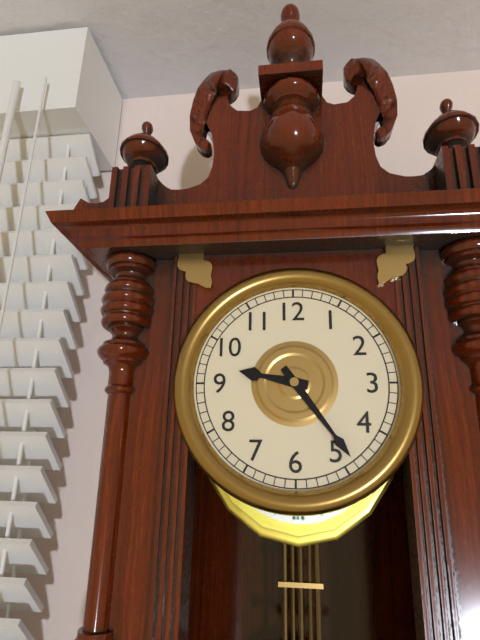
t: 9:24
